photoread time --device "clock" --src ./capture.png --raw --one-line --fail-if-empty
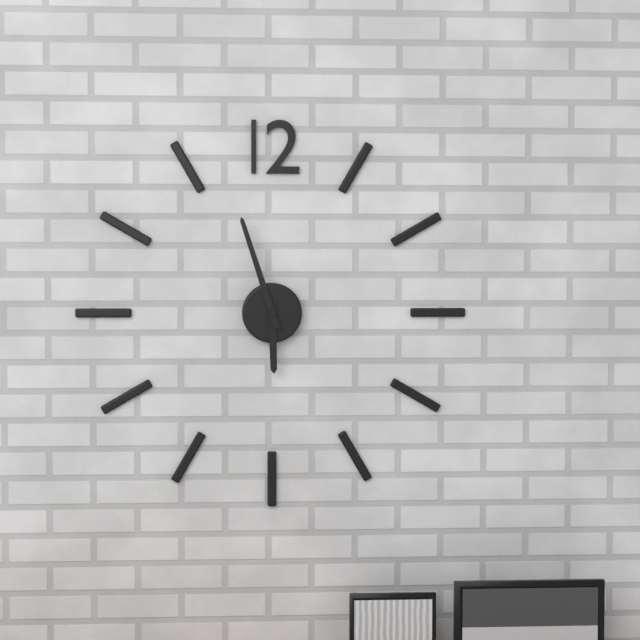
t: 5:57
